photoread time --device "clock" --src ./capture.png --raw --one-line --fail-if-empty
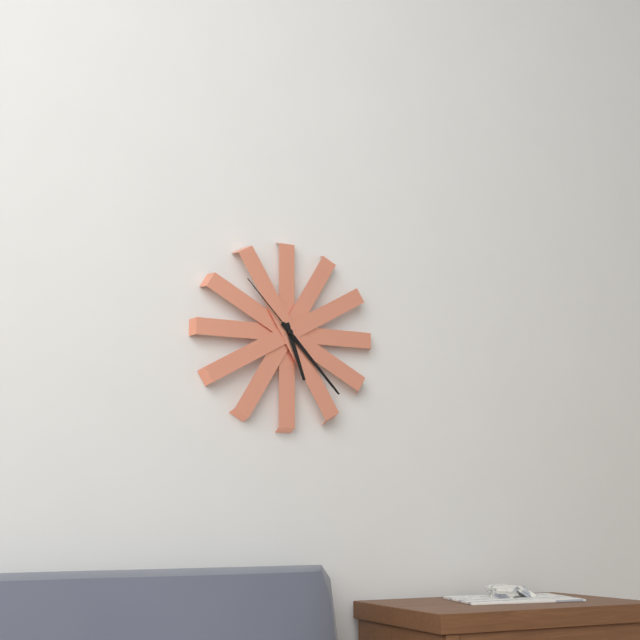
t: 5:23:53
